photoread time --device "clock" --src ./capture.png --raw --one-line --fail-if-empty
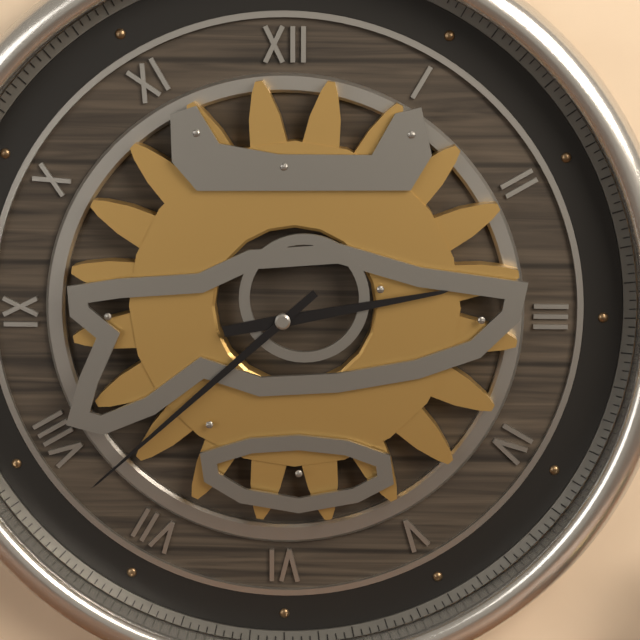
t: 2:38
